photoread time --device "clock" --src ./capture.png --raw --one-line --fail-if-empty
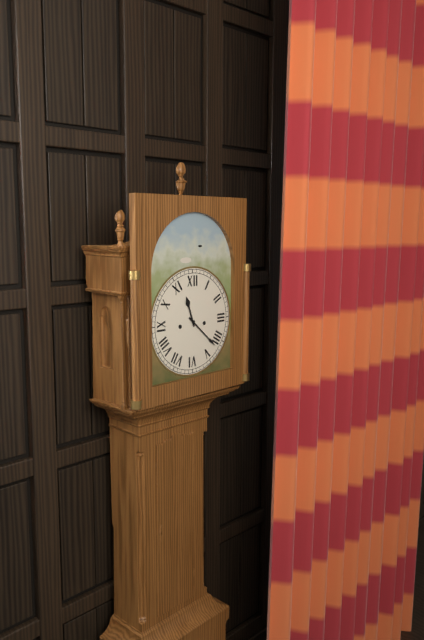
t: 11:22
